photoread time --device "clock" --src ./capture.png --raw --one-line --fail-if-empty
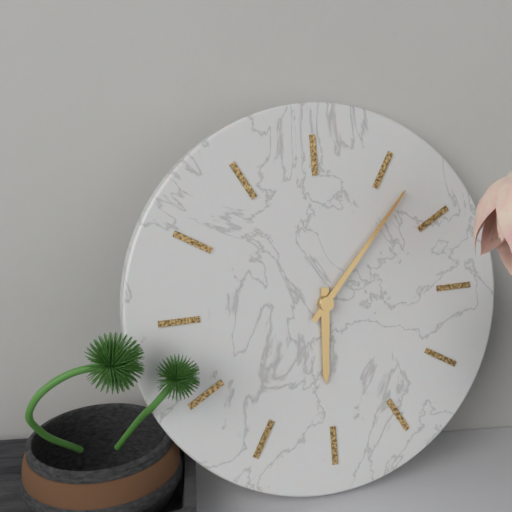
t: 6:07
